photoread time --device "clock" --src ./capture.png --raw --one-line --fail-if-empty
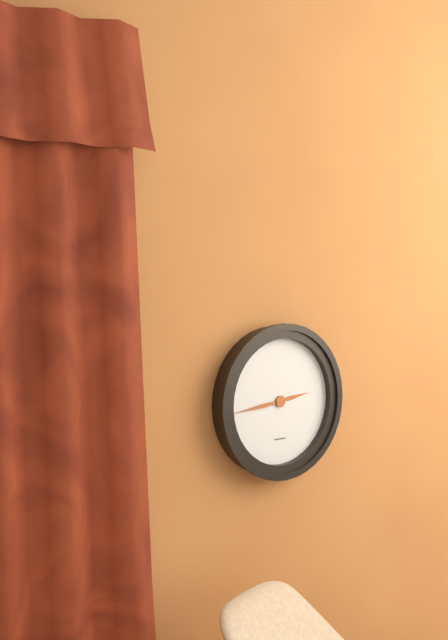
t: 2:44
